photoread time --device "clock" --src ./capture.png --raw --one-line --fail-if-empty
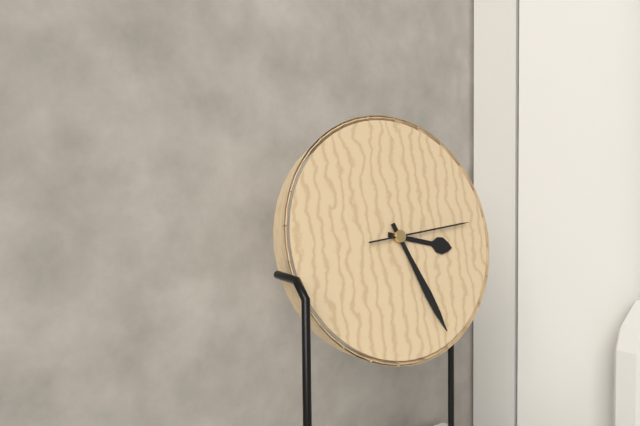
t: 3:26:14
